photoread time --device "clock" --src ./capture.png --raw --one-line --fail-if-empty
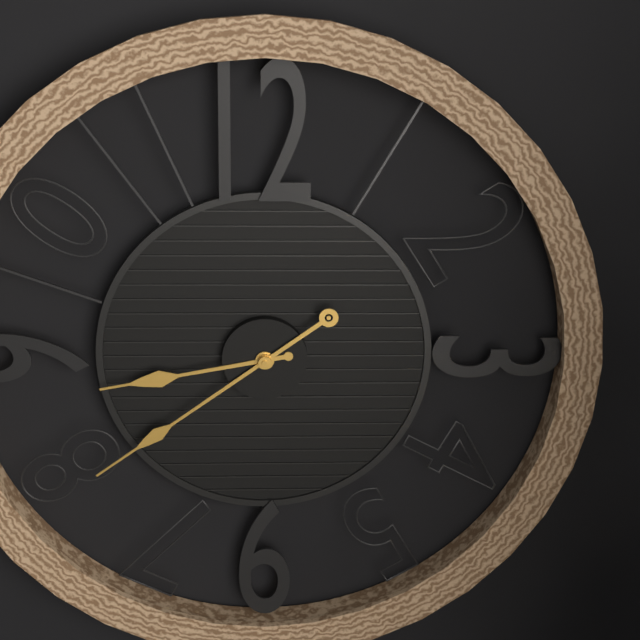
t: 8:39
